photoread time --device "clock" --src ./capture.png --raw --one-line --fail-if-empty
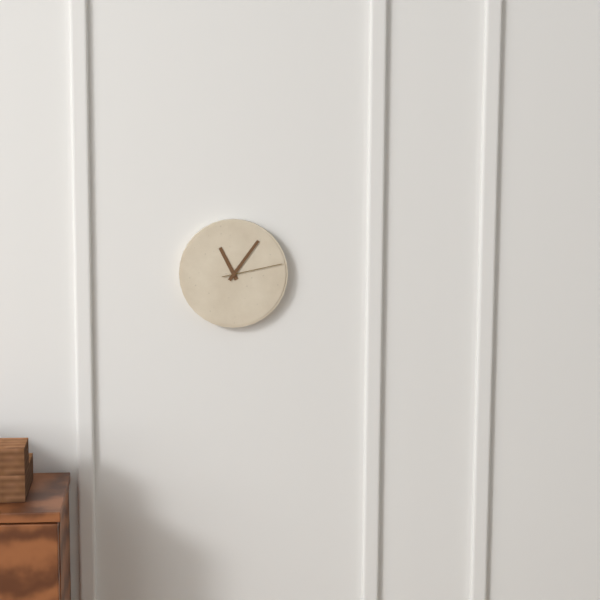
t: 11:06:13
